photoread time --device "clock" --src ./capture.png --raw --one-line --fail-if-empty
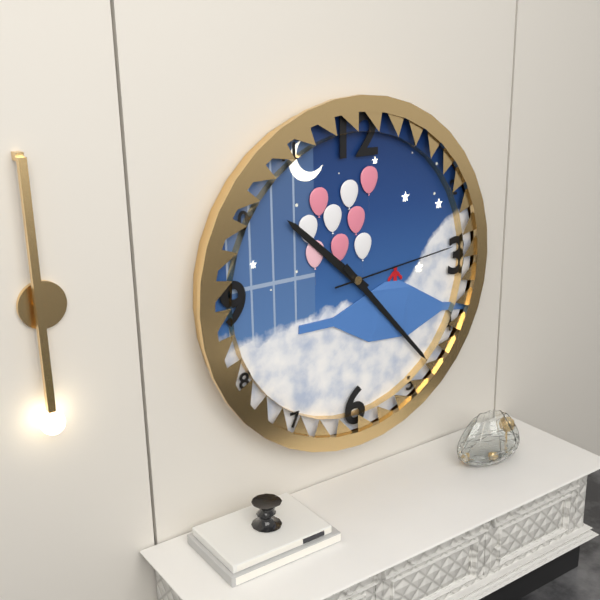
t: 10:23:14
